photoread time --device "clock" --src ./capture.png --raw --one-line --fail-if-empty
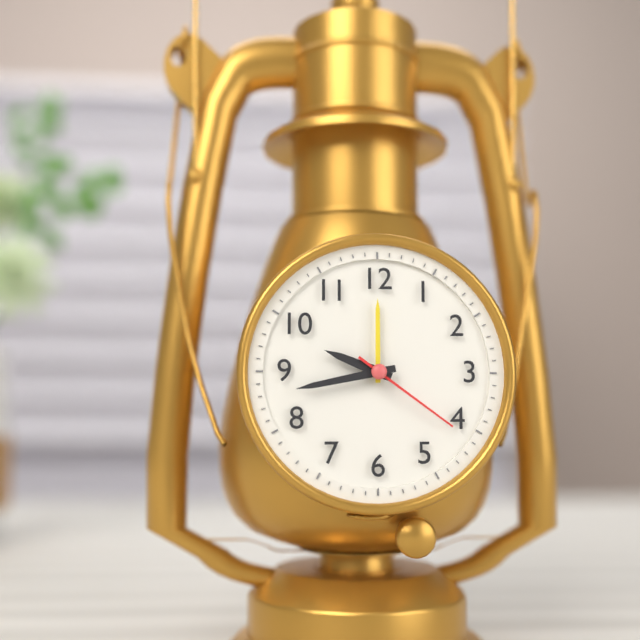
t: 9:43:21
